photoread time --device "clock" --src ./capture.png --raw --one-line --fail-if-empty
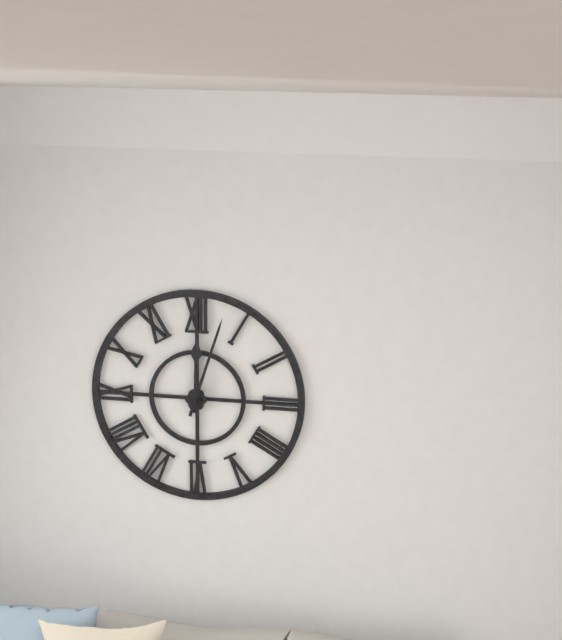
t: 12:03
